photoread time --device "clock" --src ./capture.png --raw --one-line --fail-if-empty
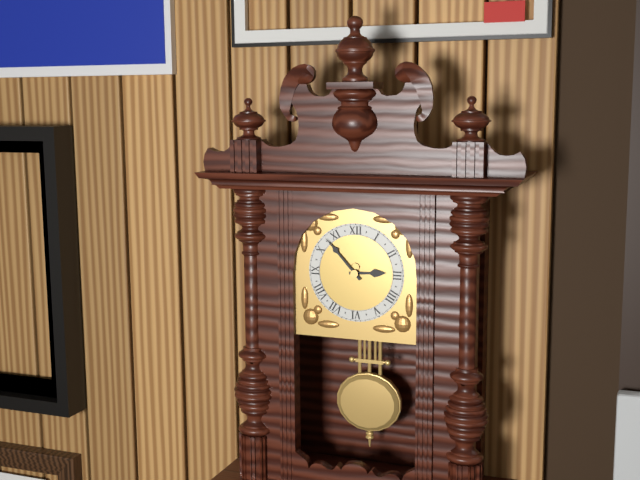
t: 2:53
